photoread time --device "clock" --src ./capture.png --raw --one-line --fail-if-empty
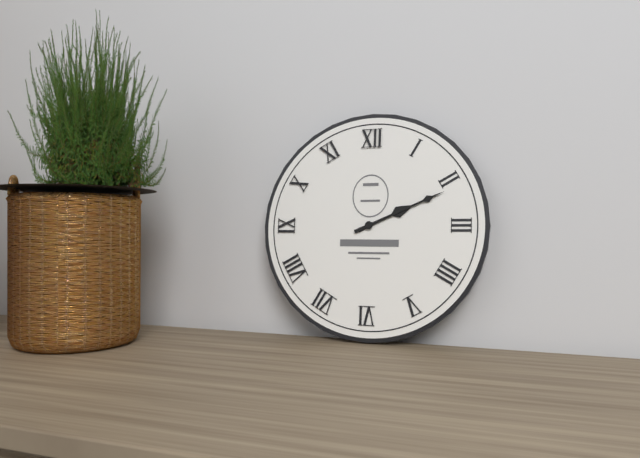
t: 2:11
